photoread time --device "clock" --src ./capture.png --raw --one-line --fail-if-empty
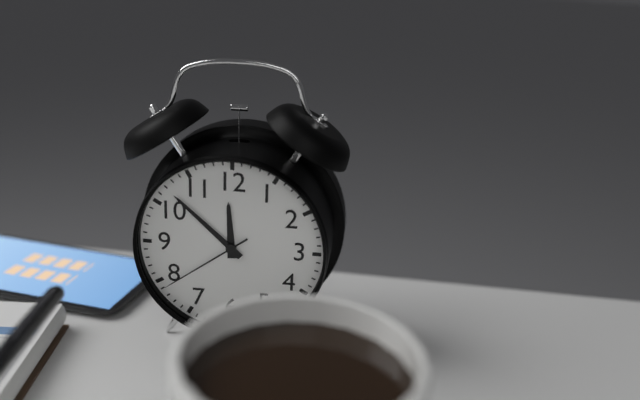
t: 11:52:39
